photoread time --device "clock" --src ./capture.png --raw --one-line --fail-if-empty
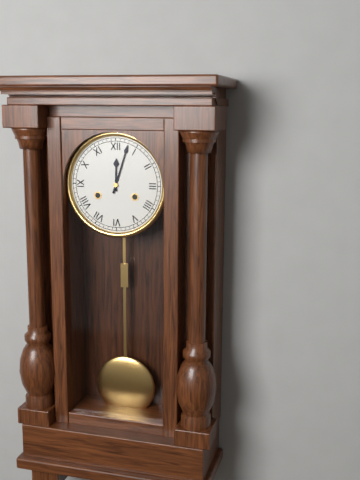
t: 12:03
